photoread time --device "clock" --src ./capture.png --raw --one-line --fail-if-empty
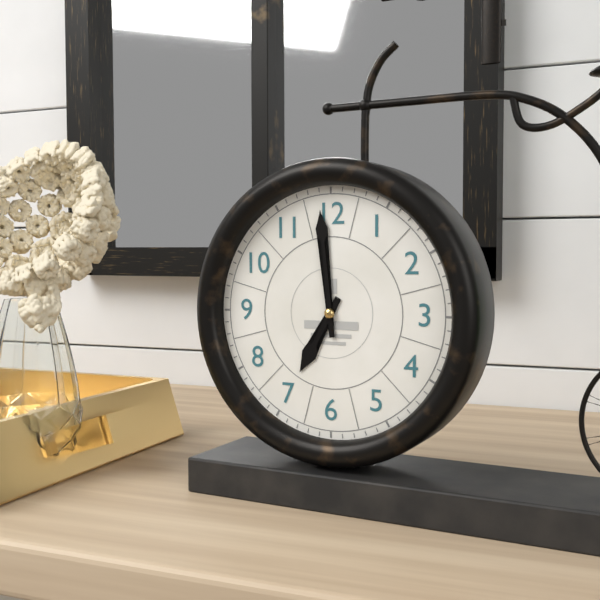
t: 6:59
